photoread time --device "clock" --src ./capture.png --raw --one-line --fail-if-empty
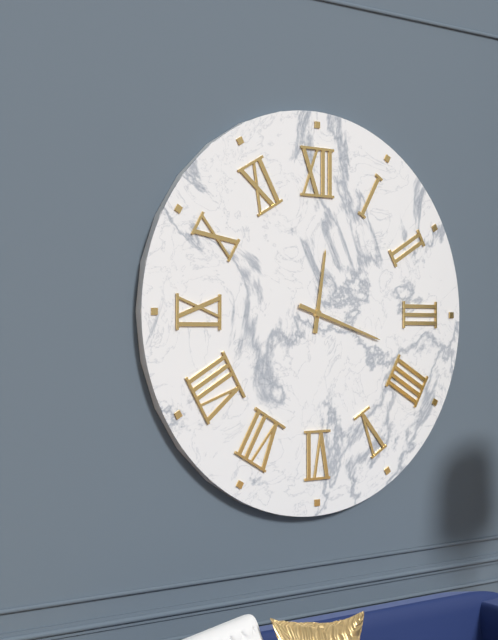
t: 12:18
